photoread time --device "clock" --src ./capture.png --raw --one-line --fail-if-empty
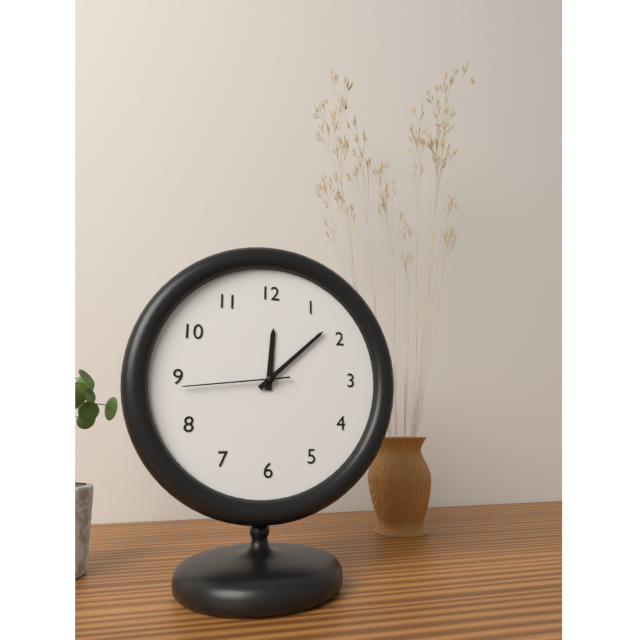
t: 12:08:44
